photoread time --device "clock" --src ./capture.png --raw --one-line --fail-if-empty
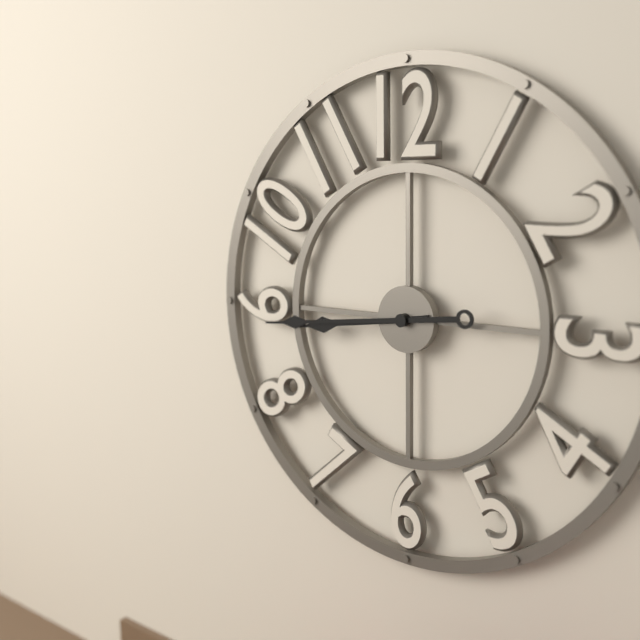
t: 8:44
